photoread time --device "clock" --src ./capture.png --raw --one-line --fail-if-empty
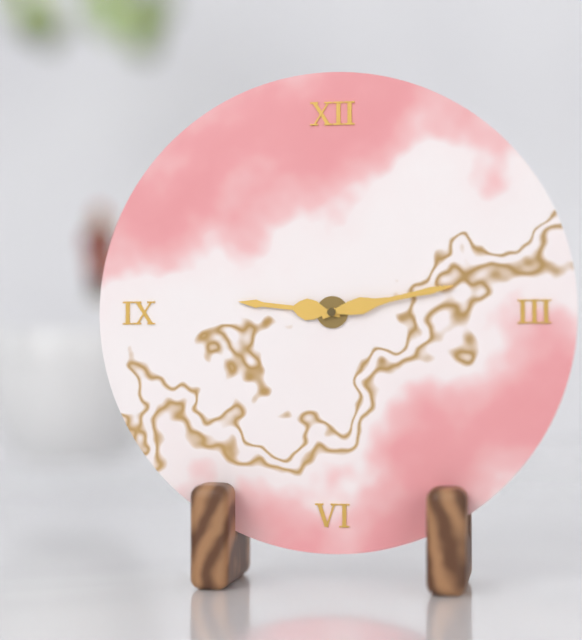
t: 9:13
